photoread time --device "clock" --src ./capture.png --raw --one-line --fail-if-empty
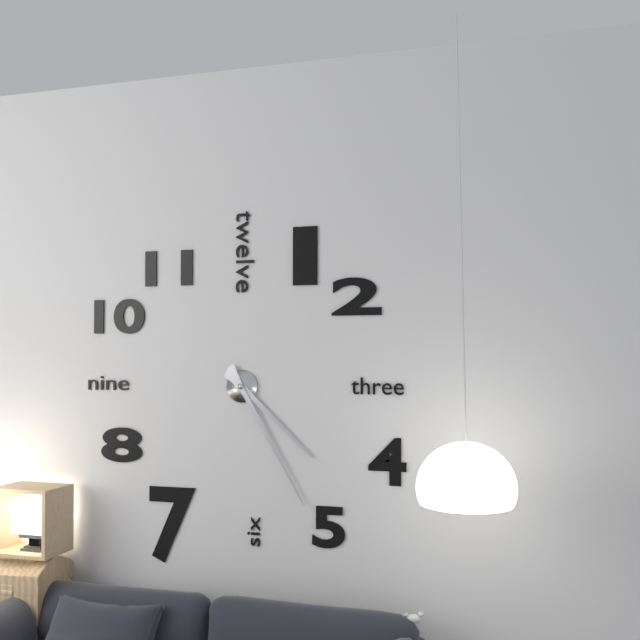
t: 4:25
